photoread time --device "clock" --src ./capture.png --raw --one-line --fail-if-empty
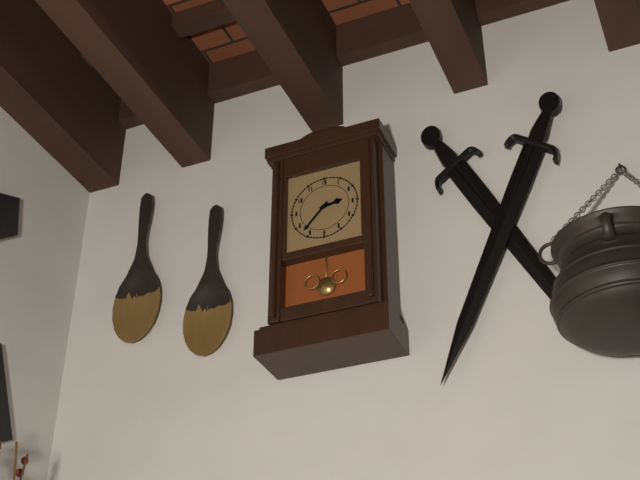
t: 2:37
